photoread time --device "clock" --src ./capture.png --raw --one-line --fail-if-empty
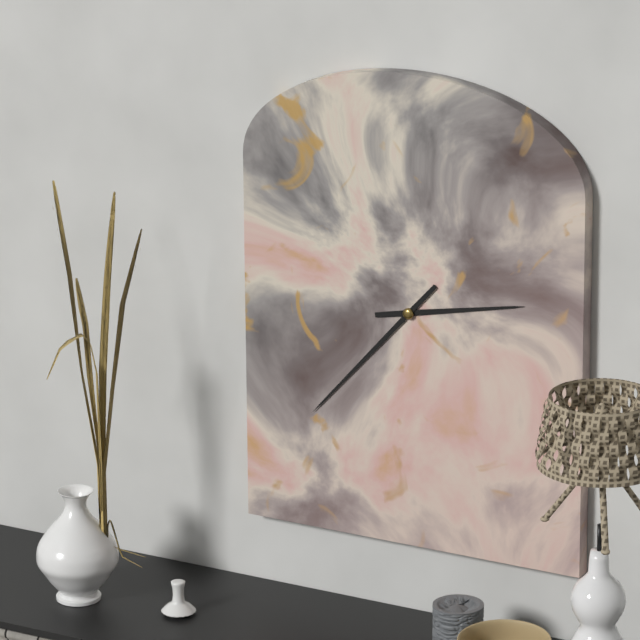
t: 2:37
